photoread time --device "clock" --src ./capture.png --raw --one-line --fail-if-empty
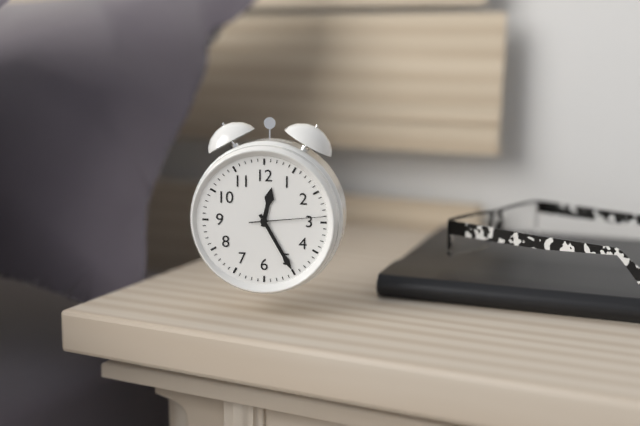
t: 12:25:14
